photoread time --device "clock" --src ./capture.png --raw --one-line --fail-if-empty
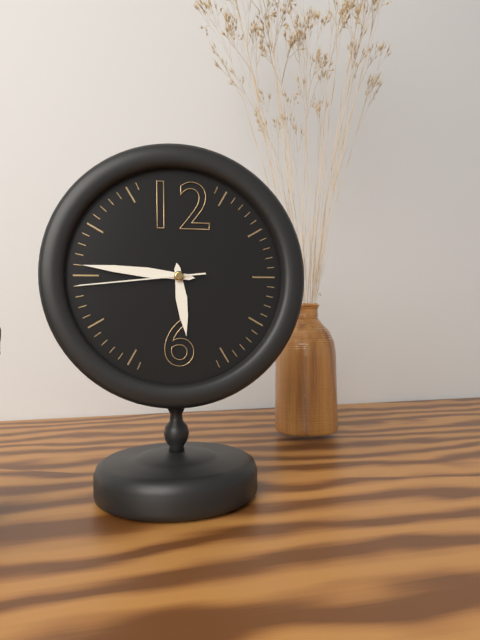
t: 5:46:44
